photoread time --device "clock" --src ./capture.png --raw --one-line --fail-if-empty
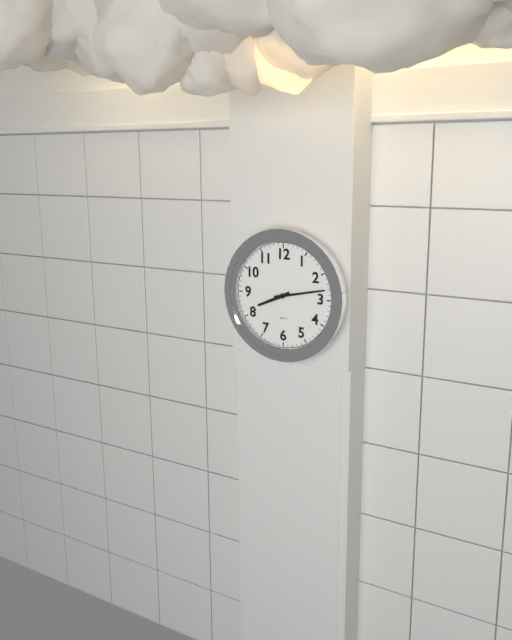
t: 8:13
